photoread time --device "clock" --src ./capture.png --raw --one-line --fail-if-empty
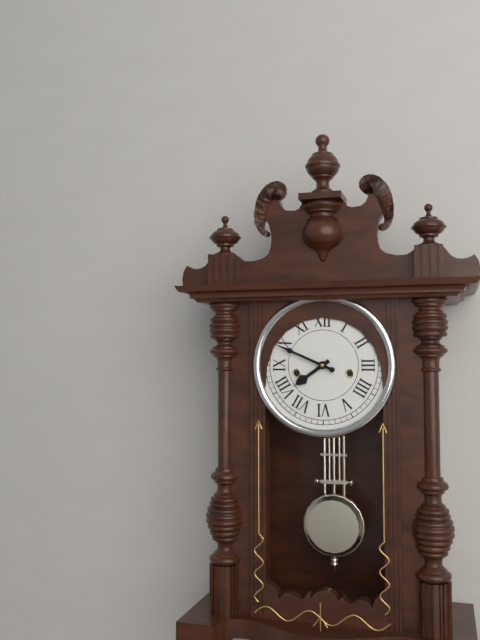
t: 7:49
